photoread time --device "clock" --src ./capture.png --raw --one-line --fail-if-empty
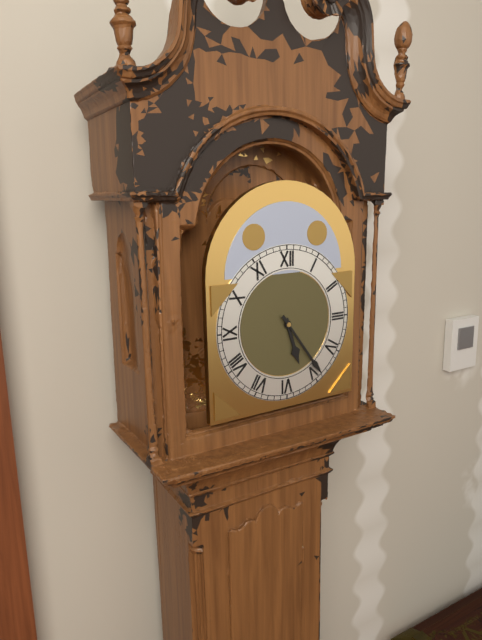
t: 5:24
